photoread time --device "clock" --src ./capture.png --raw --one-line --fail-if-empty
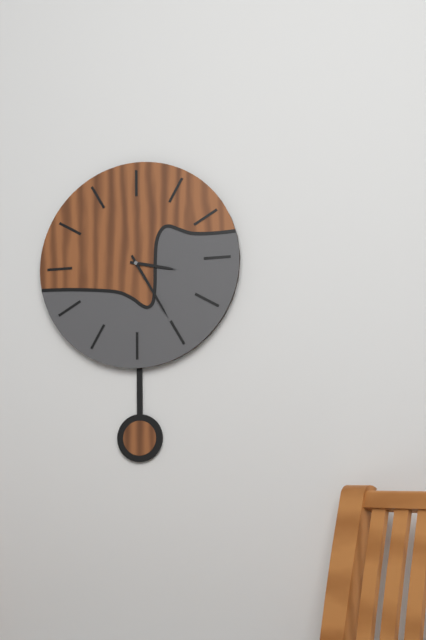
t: 3:25
